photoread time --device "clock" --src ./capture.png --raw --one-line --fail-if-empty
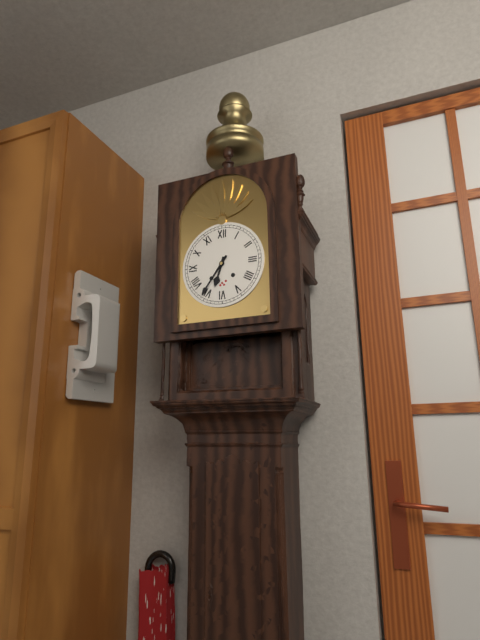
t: 6:36
